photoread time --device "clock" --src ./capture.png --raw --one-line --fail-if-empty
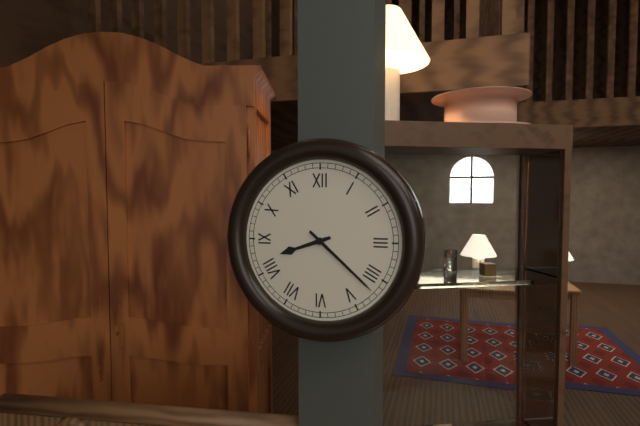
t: 8:22
